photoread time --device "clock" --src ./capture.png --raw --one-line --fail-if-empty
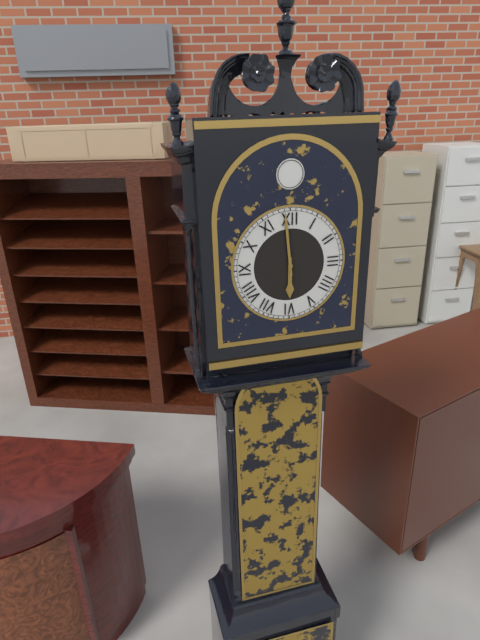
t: 5:59
